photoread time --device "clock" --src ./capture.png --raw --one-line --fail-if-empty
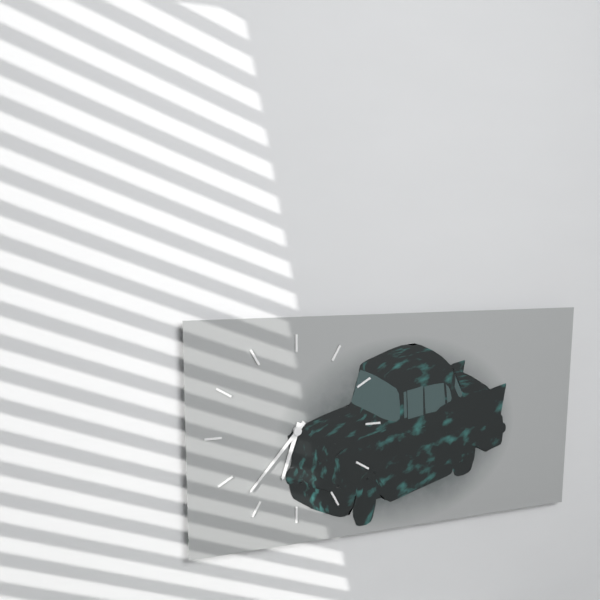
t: 6:37
